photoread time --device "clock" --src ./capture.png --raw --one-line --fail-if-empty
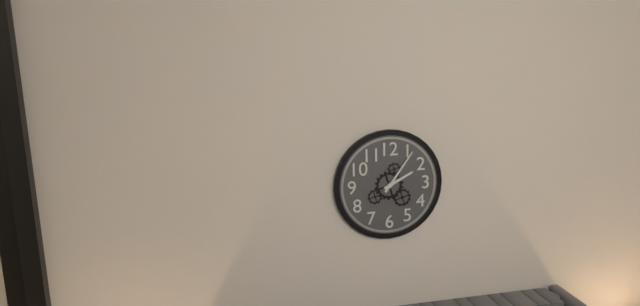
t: 2:06
